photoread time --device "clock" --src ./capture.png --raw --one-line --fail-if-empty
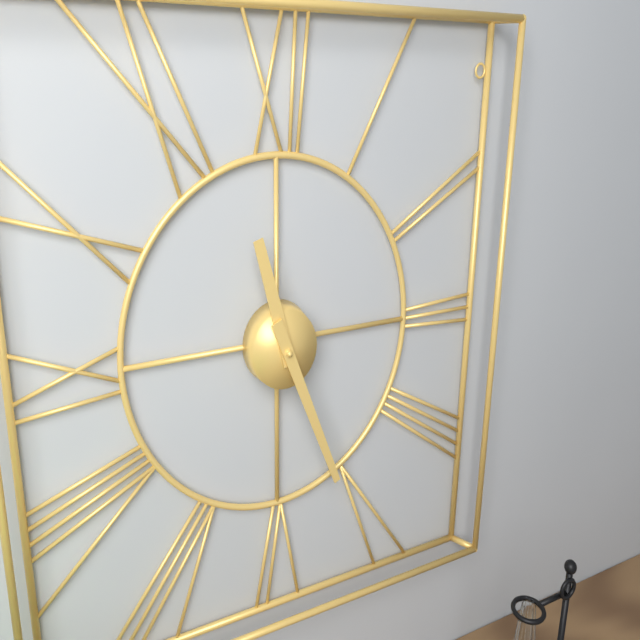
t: 11:26
